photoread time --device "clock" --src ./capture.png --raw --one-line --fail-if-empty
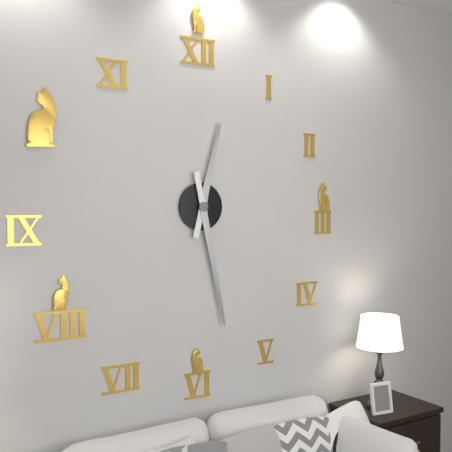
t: 12:28
